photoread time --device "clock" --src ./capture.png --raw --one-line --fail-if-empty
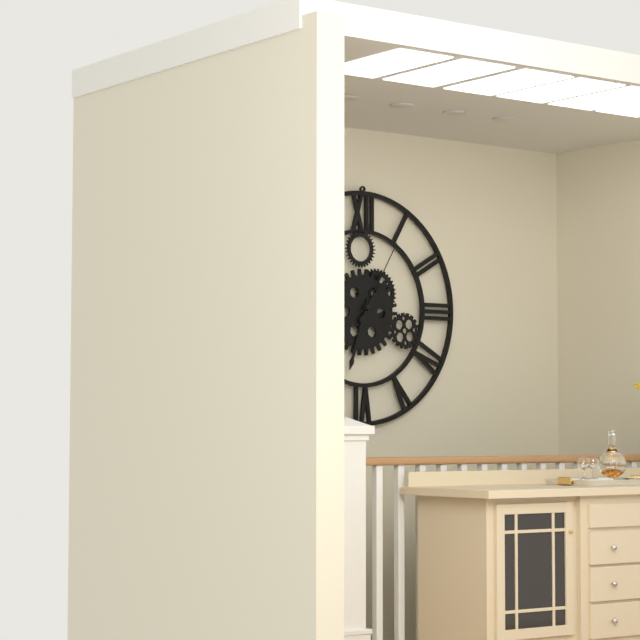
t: 1:33:05
